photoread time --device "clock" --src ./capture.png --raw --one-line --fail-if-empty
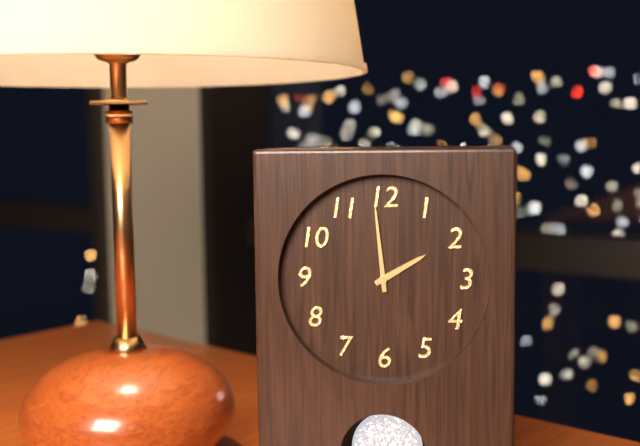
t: 1:59
